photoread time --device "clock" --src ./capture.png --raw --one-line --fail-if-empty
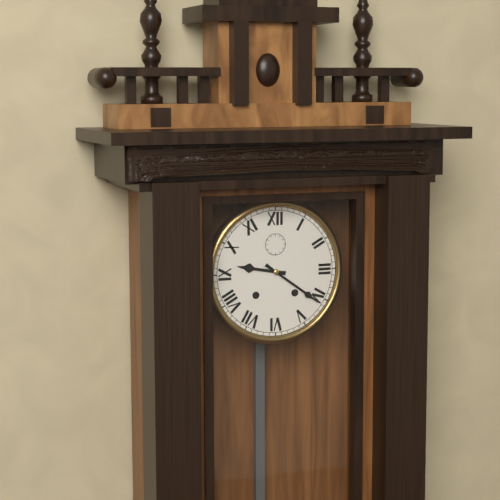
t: 9:21
